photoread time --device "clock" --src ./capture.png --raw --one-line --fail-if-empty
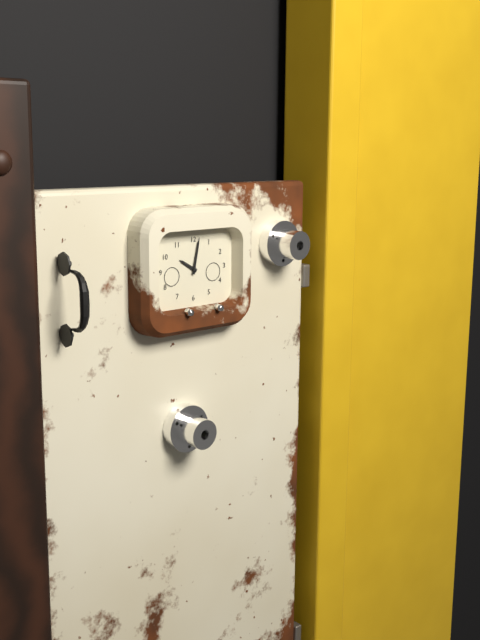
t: 10:02
